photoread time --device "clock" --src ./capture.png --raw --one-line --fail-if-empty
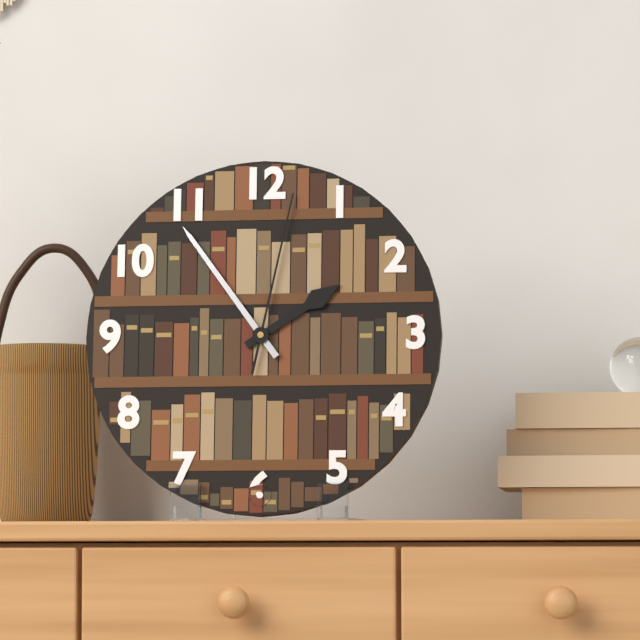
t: 1:54:02
